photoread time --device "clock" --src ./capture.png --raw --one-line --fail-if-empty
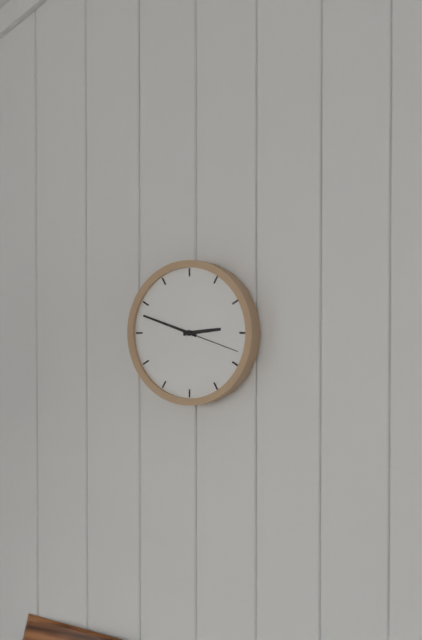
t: 2:48:18
